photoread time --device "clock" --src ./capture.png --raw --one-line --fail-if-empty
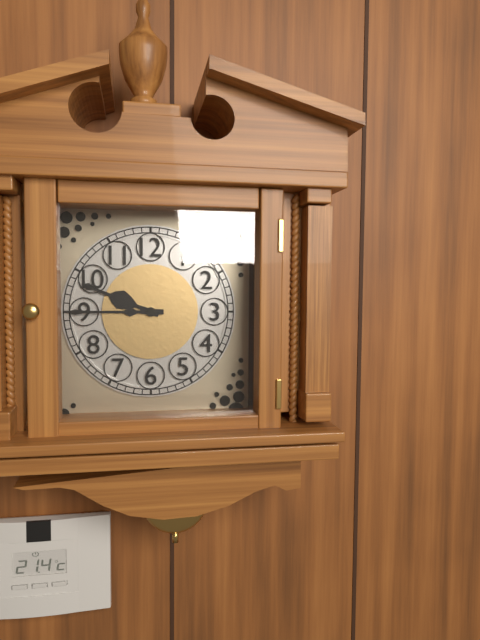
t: 9:45
